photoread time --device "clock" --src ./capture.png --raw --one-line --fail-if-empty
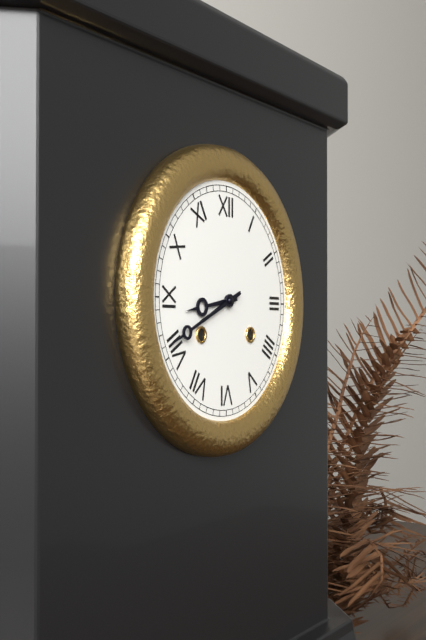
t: 8:41
